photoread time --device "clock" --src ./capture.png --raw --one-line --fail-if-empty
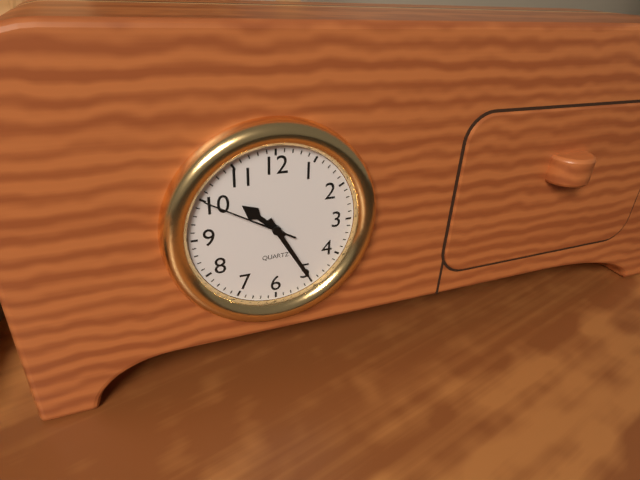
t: 10:25:50
